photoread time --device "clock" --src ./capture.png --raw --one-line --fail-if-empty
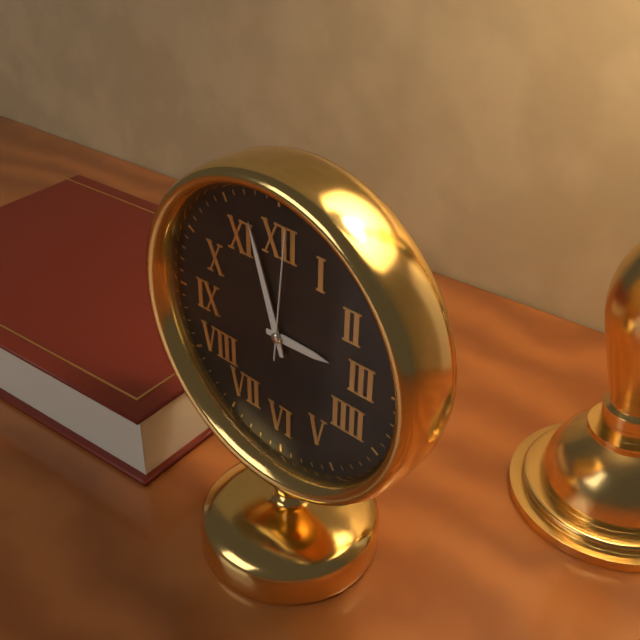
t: 2:57:01
